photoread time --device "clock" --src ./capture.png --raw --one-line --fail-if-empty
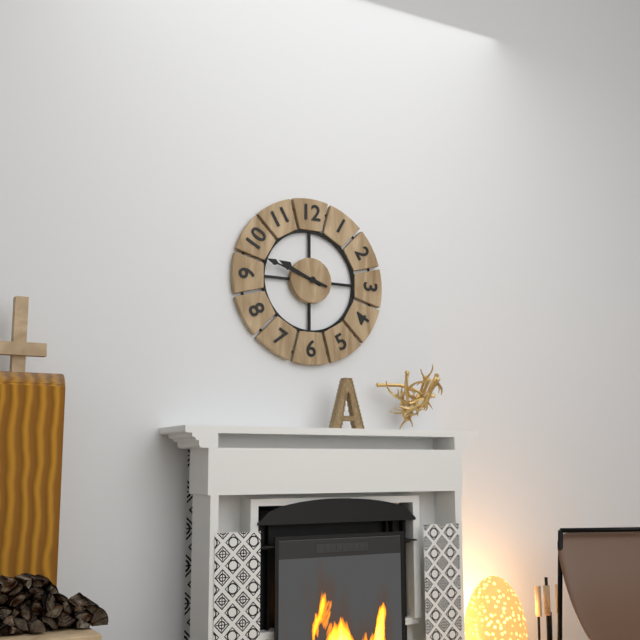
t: 9:48
